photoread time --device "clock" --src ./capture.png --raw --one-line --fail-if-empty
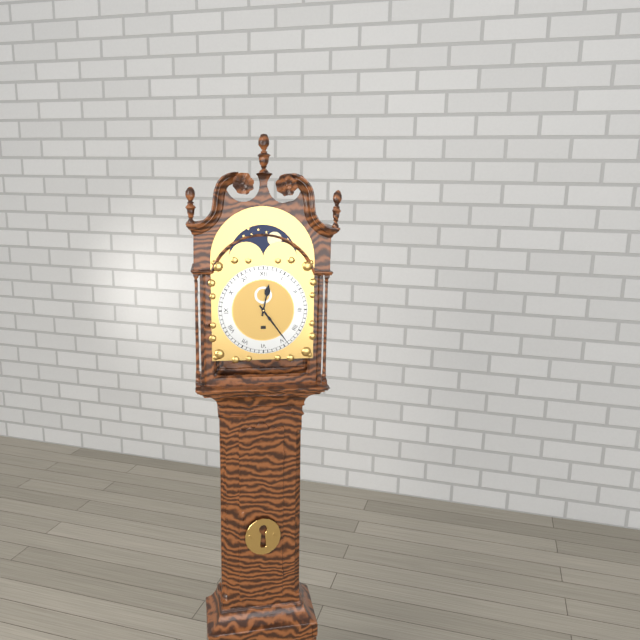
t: 12:24
